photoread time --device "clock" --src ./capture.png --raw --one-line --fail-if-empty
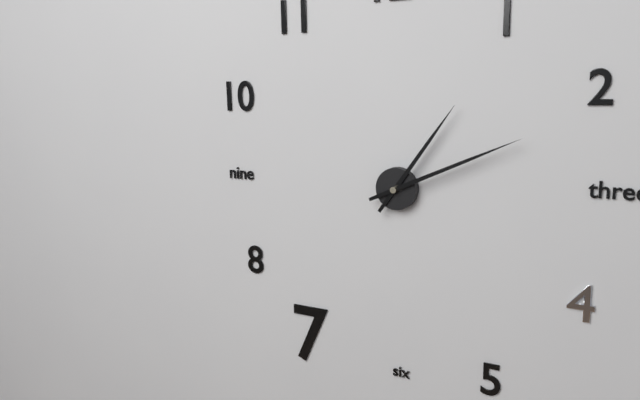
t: 1:11
